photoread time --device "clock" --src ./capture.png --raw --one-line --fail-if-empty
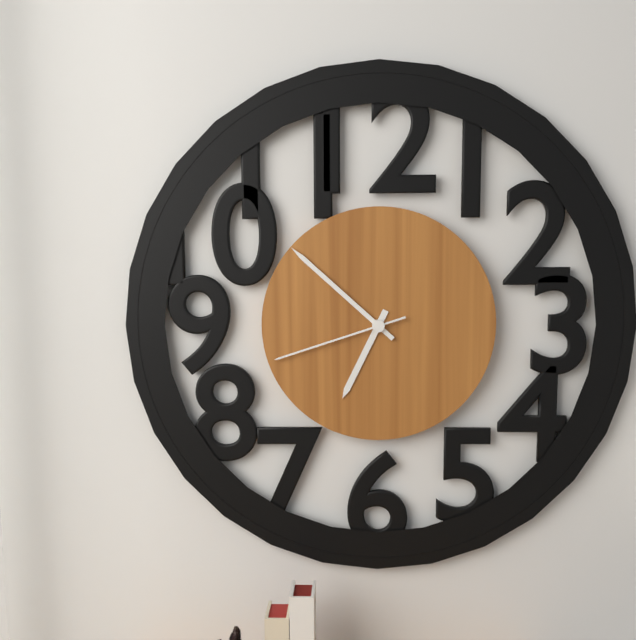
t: 6:52:42
